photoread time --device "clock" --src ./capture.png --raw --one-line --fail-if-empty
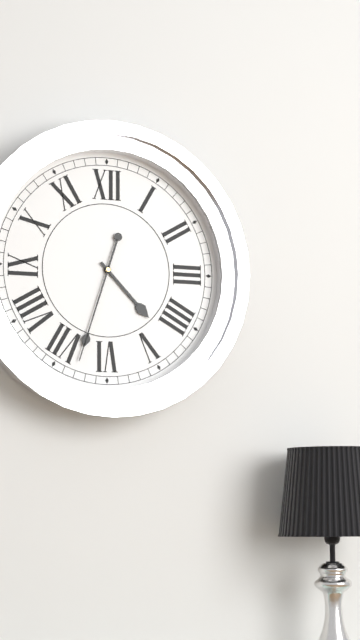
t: 4:33
